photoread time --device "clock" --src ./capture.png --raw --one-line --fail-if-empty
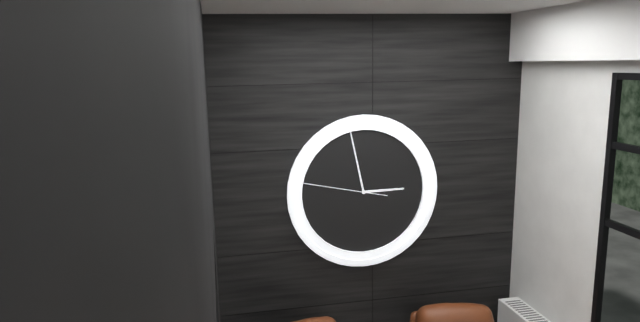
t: 2:58:47
